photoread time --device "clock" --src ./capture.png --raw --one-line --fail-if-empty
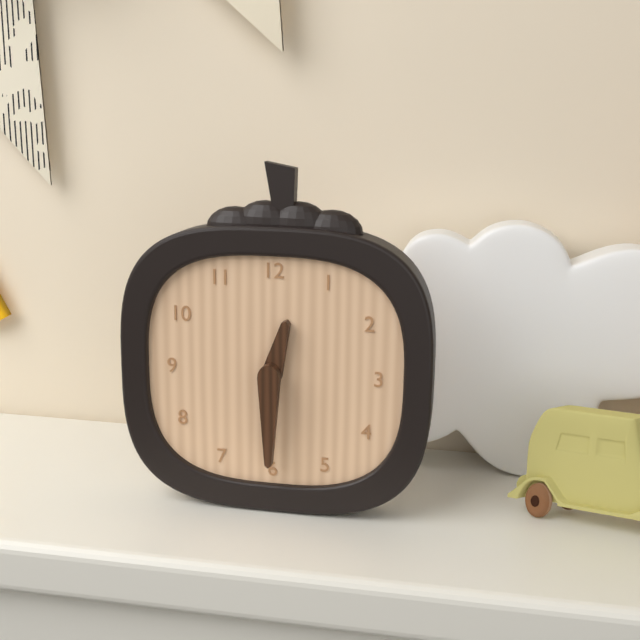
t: 12:30
